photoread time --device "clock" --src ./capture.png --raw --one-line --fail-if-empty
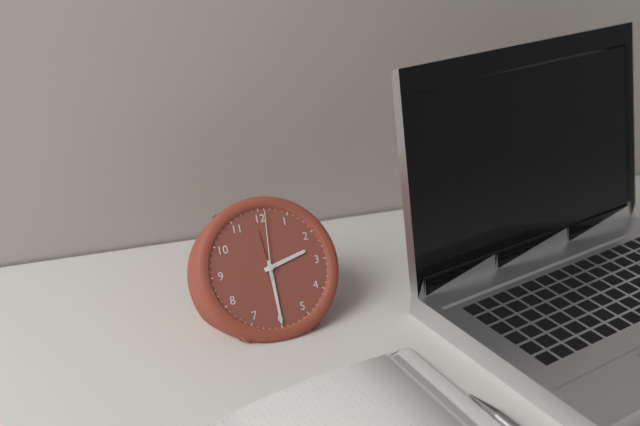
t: 2:30:01
